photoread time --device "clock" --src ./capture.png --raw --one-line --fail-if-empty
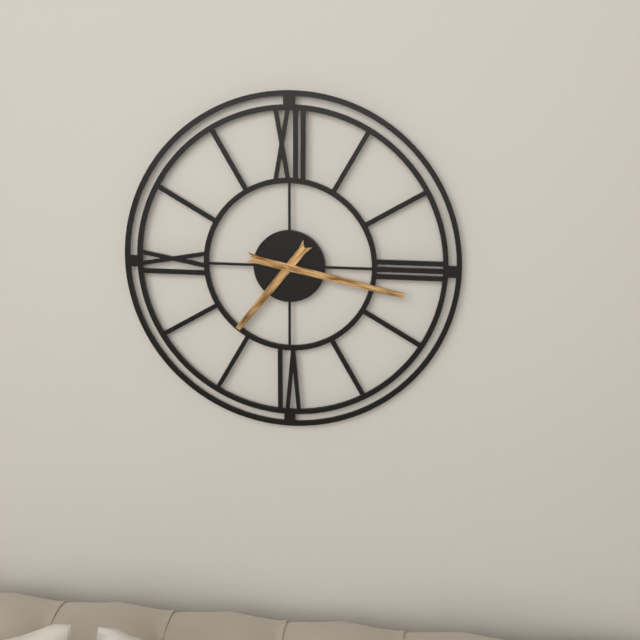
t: 7:17
